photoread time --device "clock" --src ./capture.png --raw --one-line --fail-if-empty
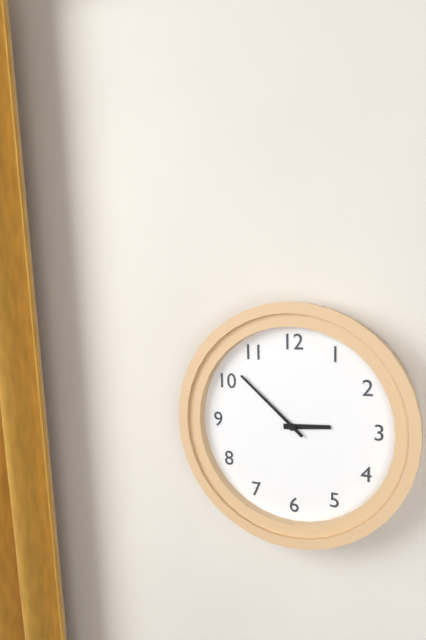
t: 2:52
